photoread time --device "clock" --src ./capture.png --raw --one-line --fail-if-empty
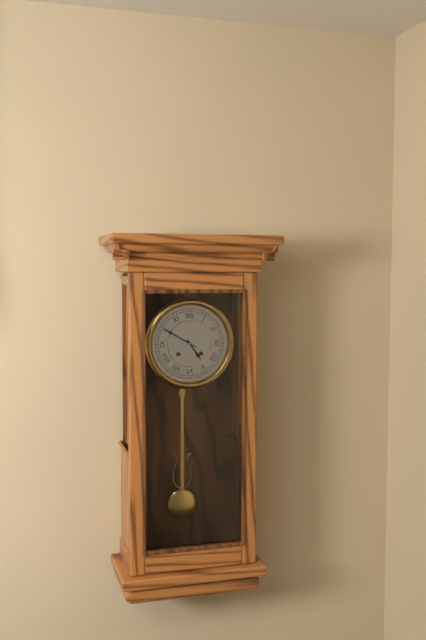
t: 4:50
